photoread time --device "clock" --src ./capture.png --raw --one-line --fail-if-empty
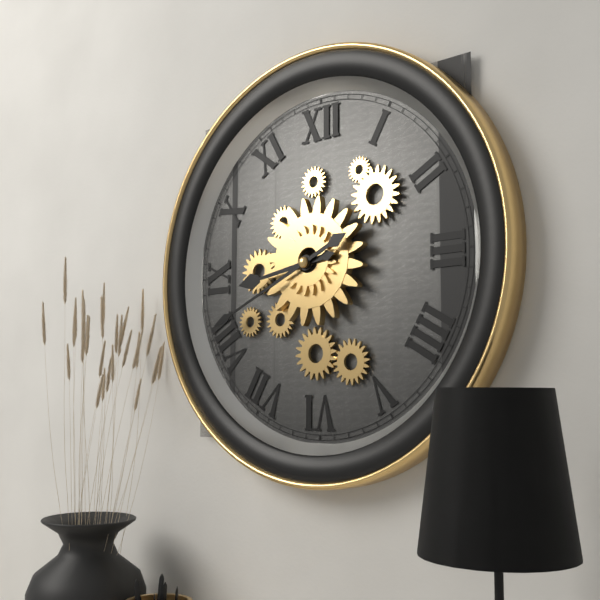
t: 8:41
